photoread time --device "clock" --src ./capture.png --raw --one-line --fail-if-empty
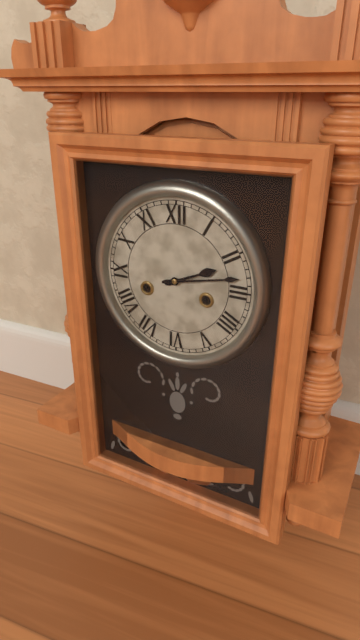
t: 2:13
